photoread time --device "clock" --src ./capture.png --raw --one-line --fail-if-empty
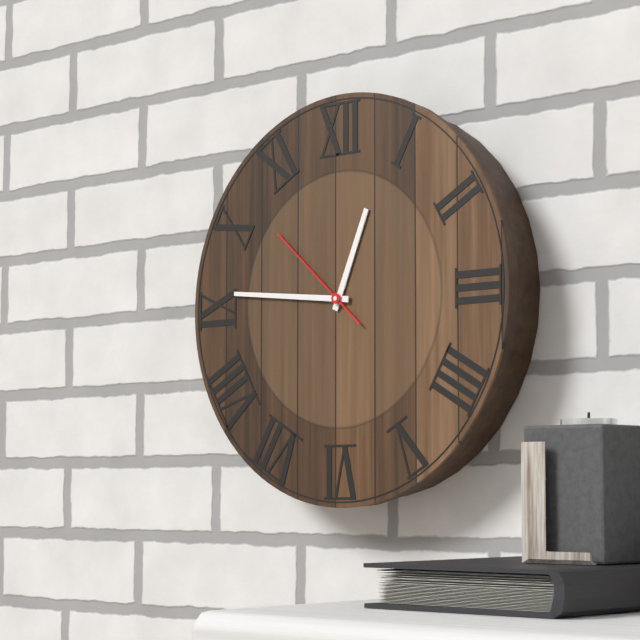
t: 12:46:52
